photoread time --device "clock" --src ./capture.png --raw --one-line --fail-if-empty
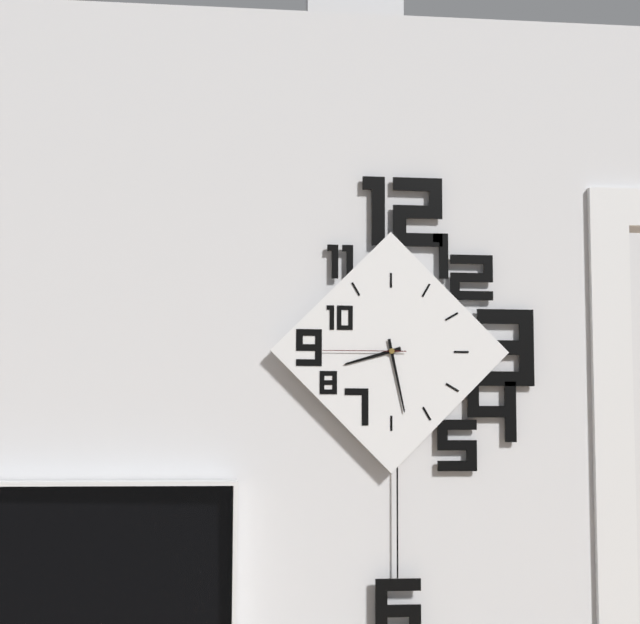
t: 8:28:45
